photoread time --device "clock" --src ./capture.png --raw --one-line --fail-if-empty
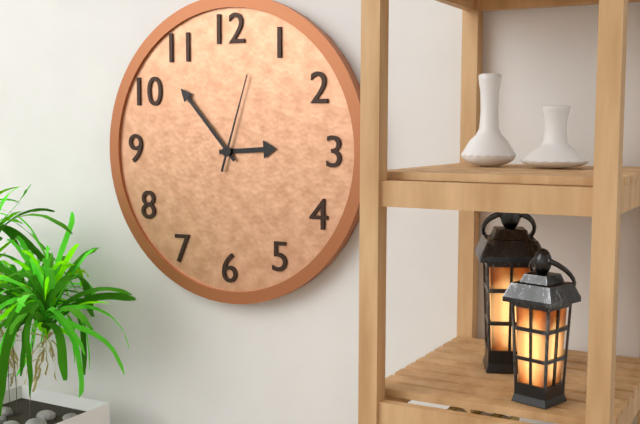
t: 2:53:03
